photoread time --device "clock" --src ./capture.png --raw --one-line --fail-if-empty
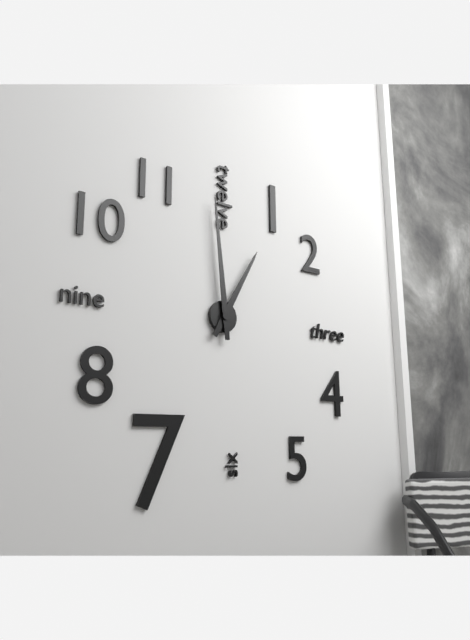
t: 12:59
